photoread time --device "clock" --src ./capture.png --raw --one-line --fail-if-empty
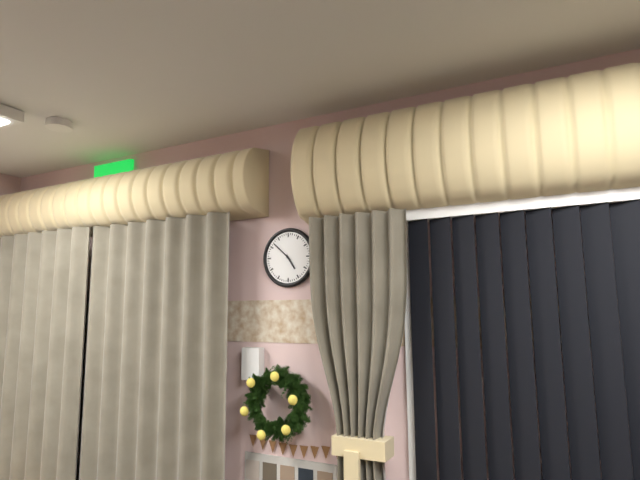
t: 4:52
